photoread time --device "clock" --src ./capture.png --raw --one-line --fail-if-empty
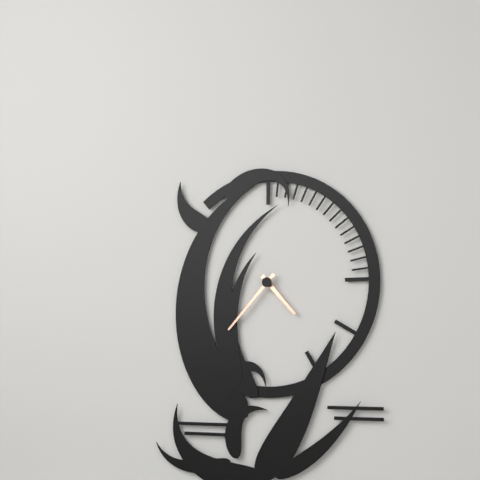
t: 4:37
